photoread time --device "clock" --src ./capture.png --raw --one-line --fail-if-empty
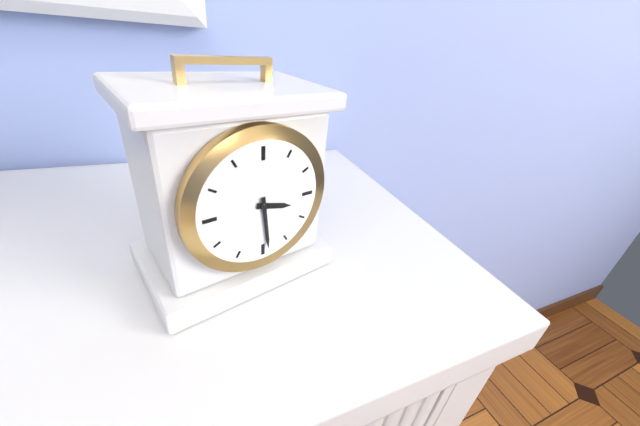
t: 3:29
